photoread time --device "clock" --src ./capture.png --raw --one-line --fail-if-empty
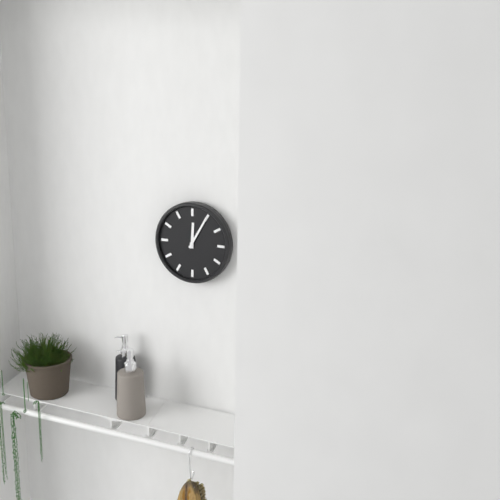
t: 12:05
